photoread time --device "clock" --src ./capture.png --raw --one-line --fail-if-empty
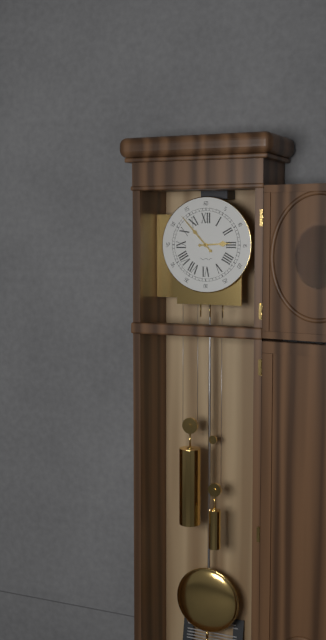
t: 2:53
